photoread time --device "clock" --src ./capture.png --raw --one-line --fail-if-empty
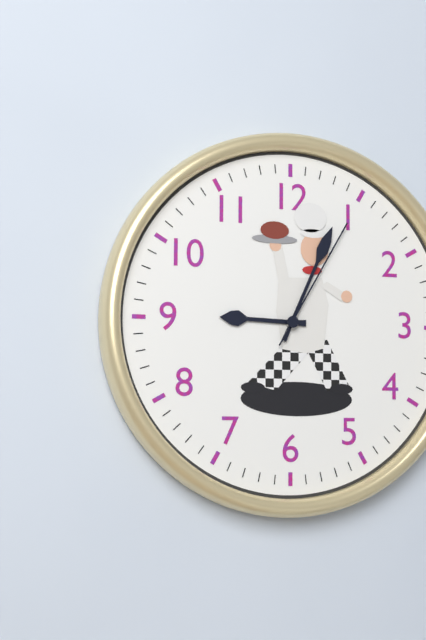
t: 9:04:05
